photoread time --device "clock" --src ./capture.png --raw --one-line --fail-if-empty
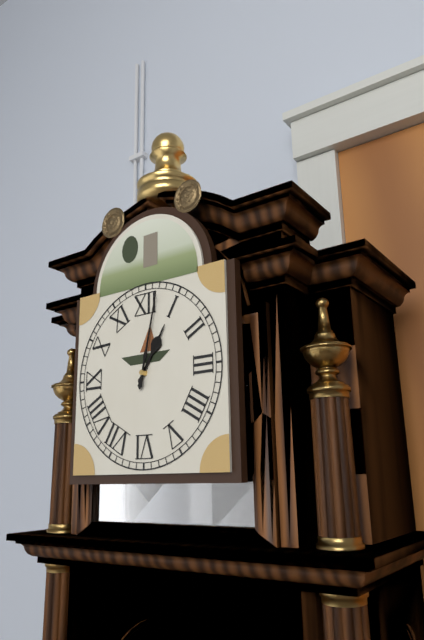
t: 1:02
